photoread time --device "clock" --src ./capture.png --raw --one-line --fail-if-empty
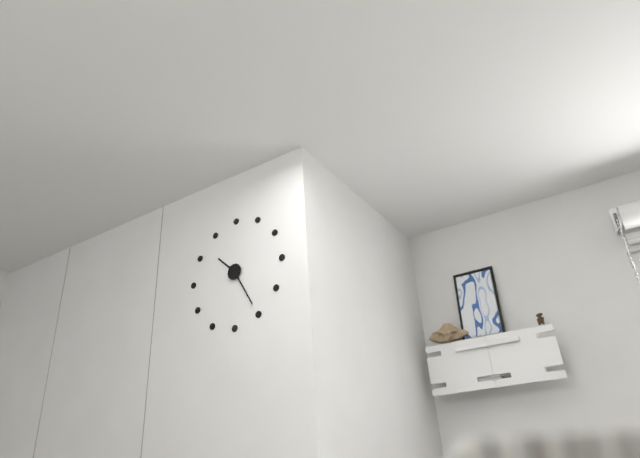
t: 10:25
